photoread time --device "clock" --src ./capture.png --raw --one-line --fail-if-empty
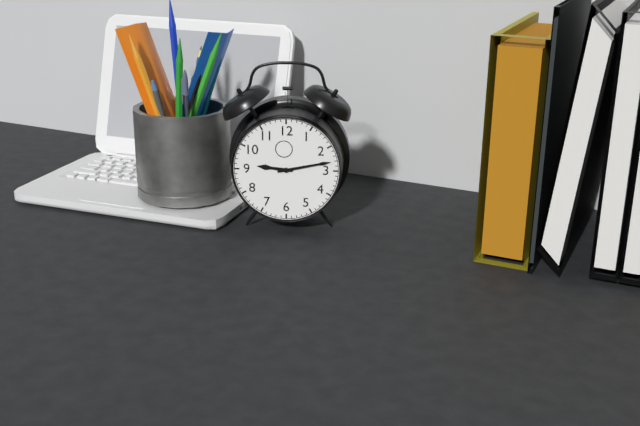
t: 9:13
